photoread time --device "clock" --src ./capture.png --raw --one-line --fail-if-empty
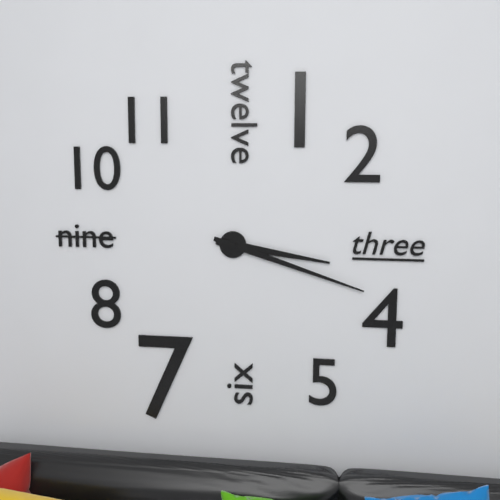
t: 3:18
